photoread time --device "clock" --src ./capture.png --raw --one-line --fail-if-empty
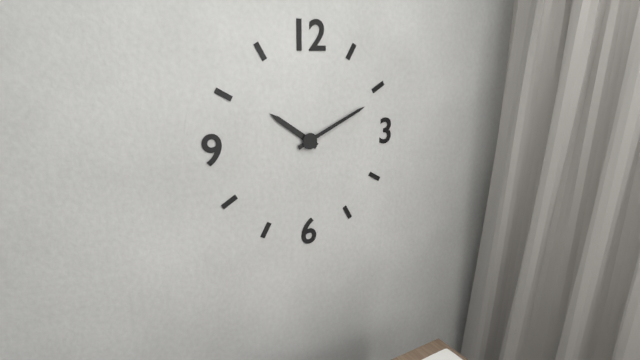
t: 10:11
